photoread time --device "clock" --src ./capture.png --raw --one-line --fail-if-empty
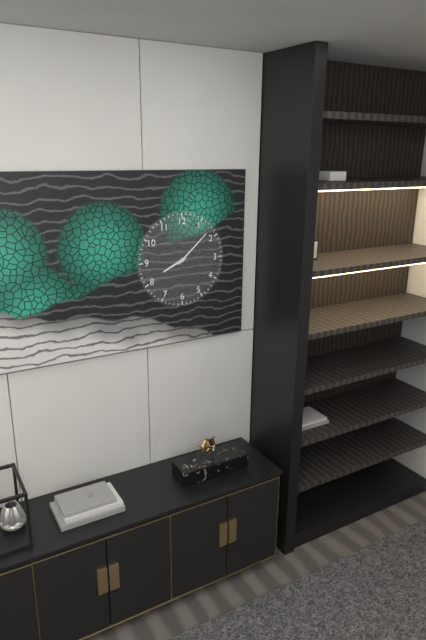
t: 8:08
